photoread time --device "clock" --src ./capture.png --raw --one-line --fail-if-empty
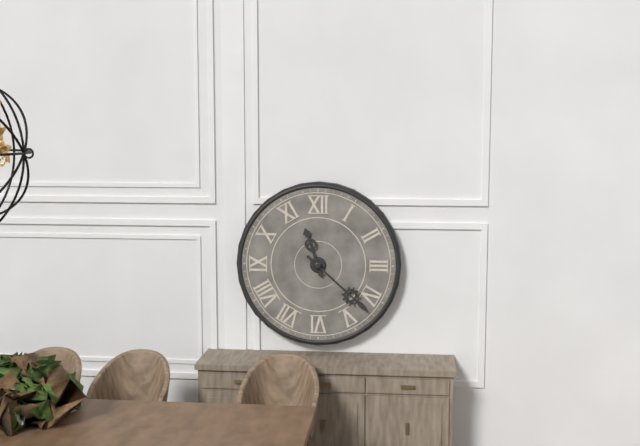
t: 11:22
